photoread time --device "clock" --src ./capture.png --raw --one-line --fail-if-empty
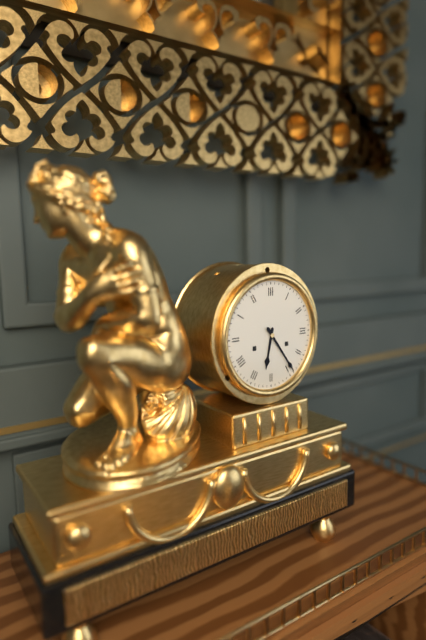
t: 6:24
